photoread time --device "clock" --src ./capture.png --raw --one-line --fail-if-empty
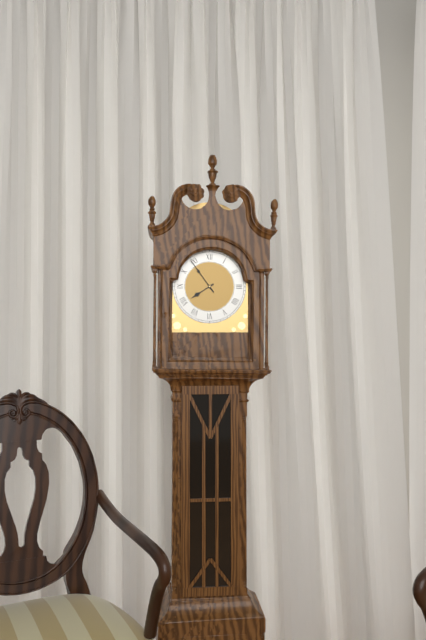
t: 7:54
